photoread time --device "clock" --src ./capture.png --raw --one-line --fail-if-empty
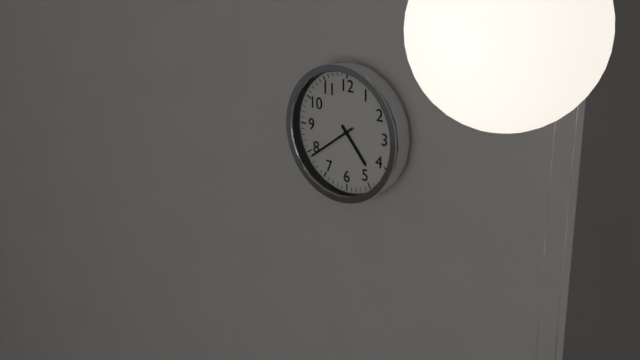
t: 4:39
